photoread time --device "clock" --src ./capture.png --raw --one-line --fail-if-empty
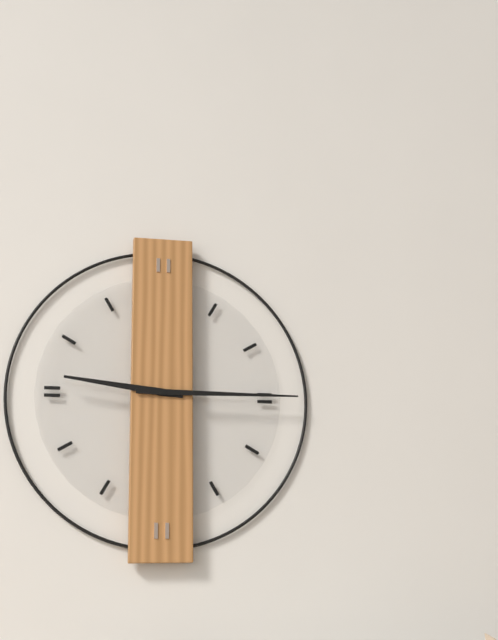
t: 9:15
